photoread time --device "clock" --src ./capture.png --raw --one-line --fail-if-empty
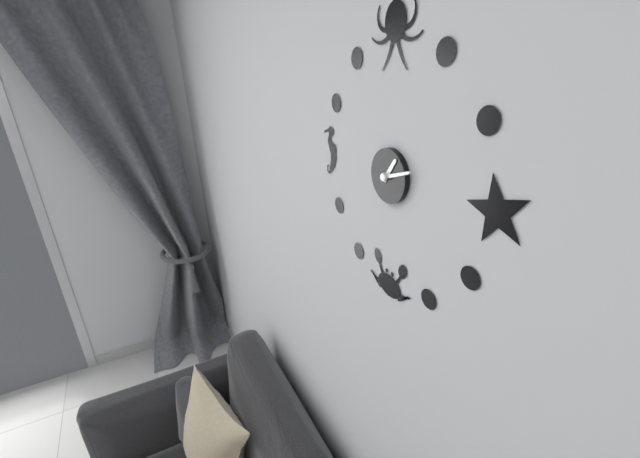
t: 1:12
